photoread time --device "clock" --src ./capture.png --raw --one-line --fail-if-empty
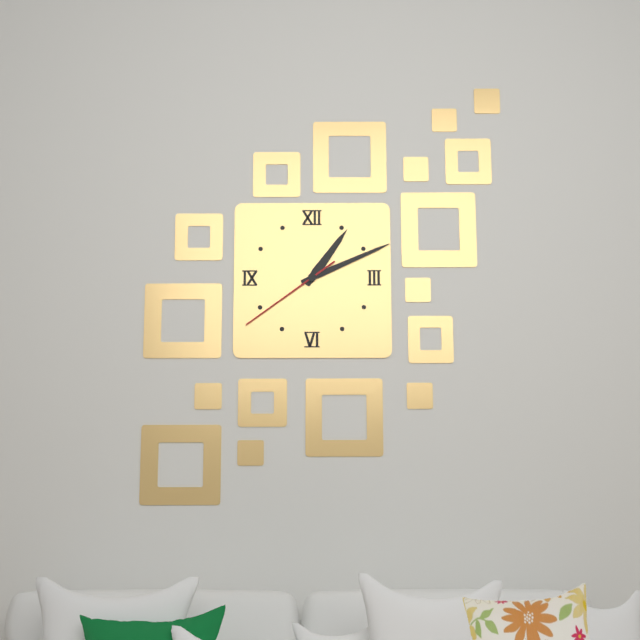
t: 1:11:39
